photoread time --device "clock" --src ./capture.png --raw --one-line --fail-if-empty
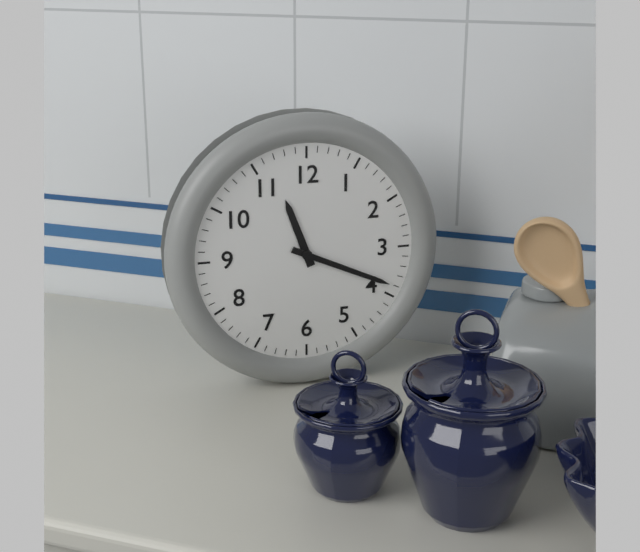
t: 11:19
